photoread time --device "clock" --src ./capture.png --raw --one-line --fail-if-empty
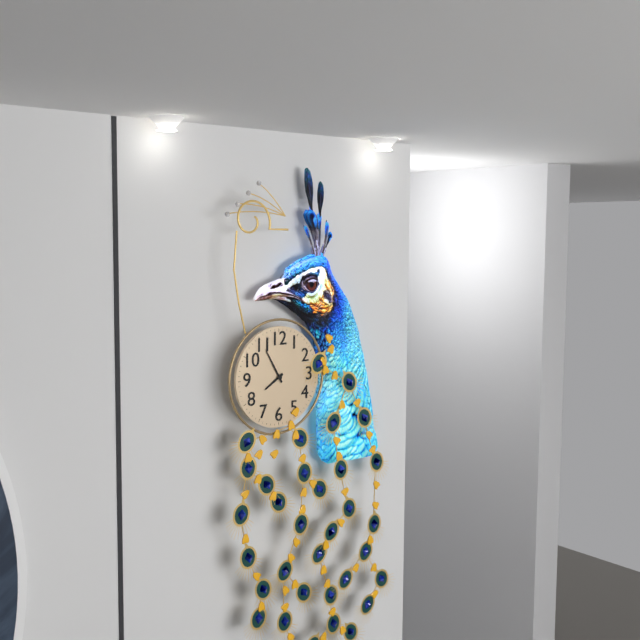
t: 7:55
